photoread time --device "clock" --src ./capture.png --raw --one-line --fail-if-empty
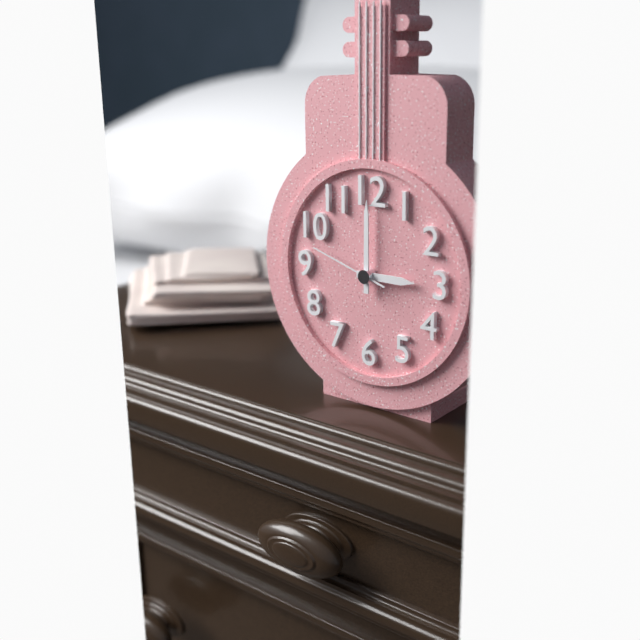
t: 3:00:48
